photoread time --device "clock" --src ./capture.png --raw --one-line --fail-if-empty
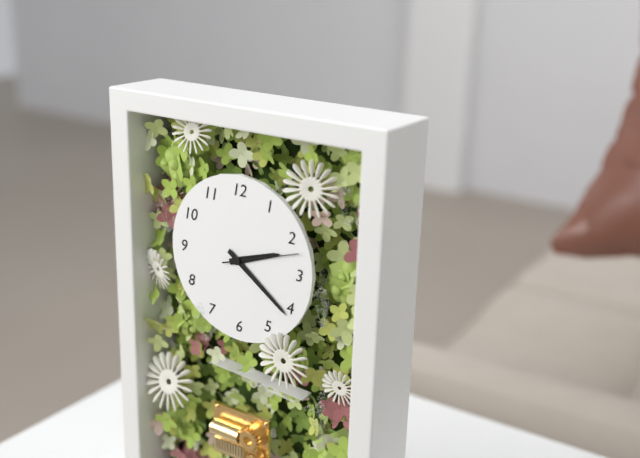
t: 2:21:12
